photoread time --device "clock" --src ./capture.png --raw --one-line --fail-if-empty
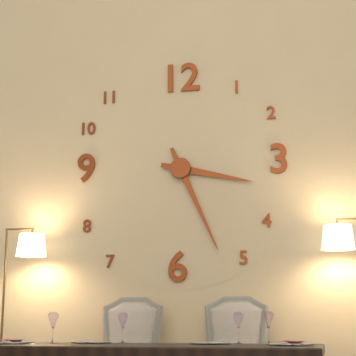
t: 3:26
